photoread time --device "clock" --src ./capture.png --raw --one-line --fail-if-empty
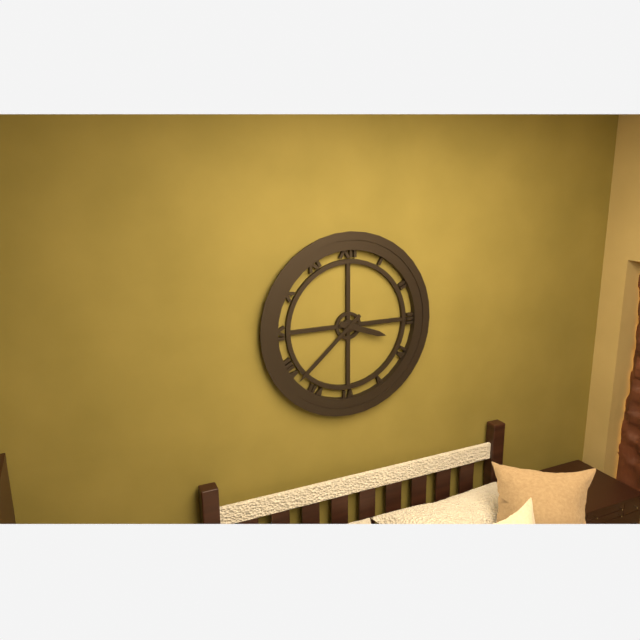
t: 3:38
